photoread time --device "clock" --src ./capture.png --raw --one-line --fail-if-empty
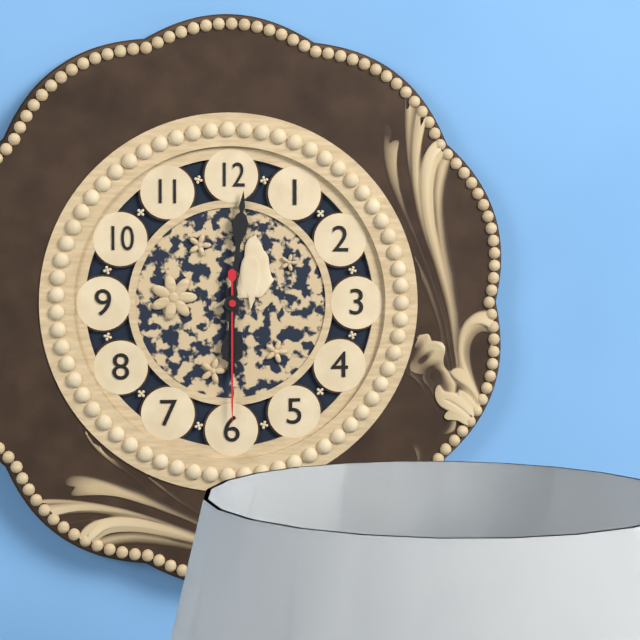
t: 6:01:30
